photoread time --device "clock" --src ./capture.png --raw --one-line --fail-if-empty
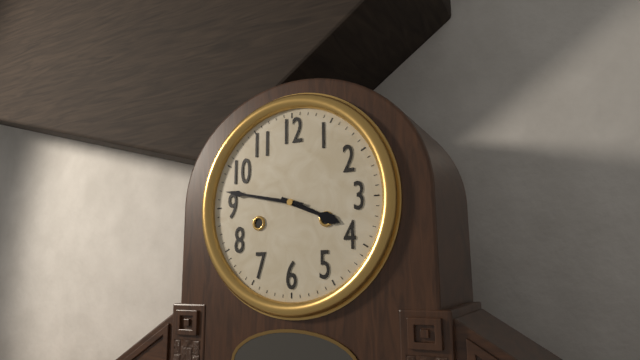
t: 3:47
